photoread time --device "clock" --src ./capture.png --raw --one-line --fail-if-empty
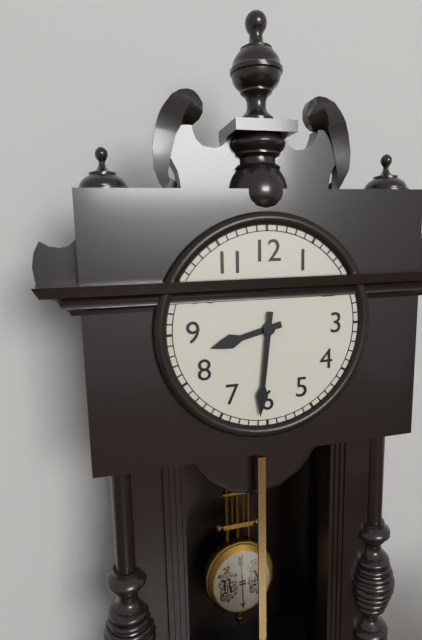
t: 8:31
